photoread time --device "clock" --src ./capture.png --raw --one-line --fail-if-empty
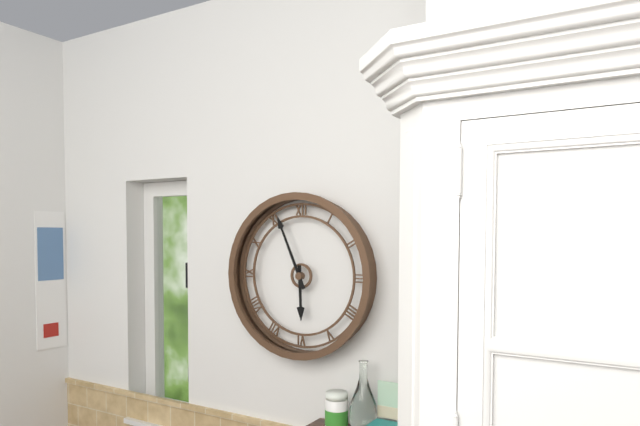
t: 5:56
